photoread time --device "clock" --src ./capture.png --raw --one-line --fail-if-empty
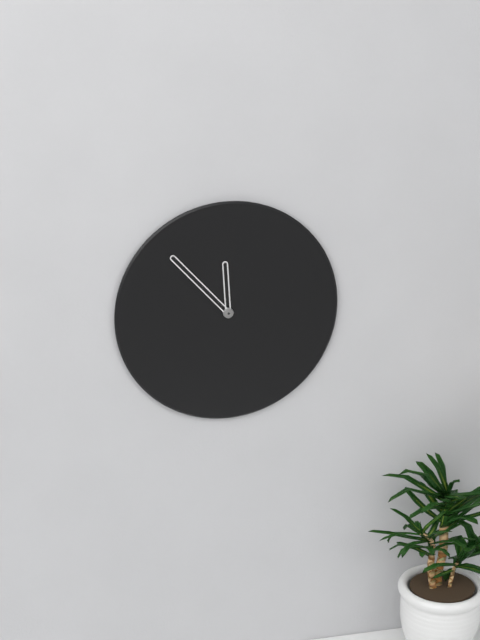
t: 11:53
